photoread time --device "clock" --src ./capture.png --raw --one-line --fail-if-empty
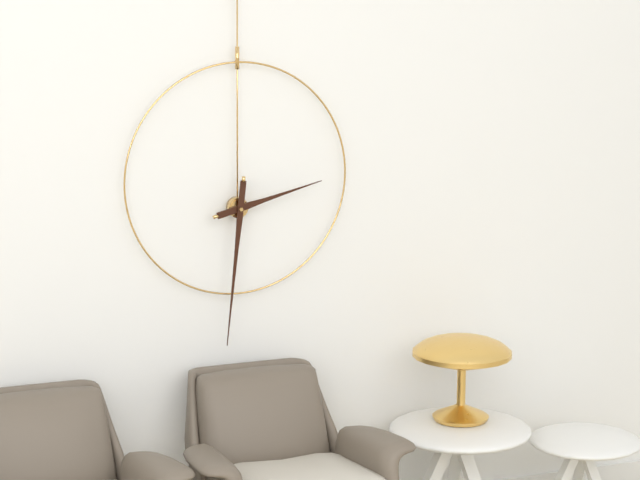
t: 2:31
